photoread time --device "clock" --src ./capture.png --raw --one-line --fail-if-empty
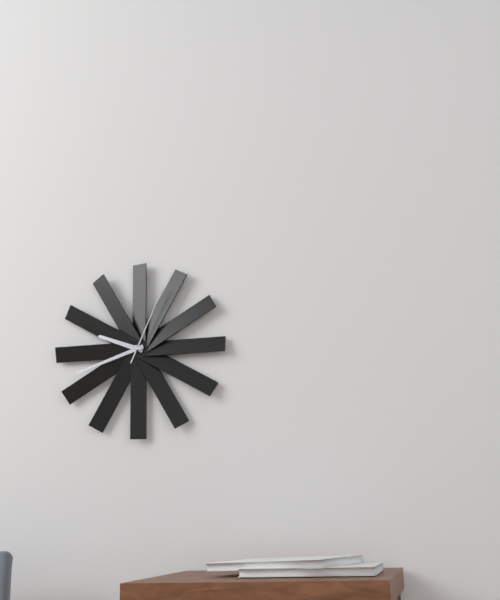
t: 9:42:04
